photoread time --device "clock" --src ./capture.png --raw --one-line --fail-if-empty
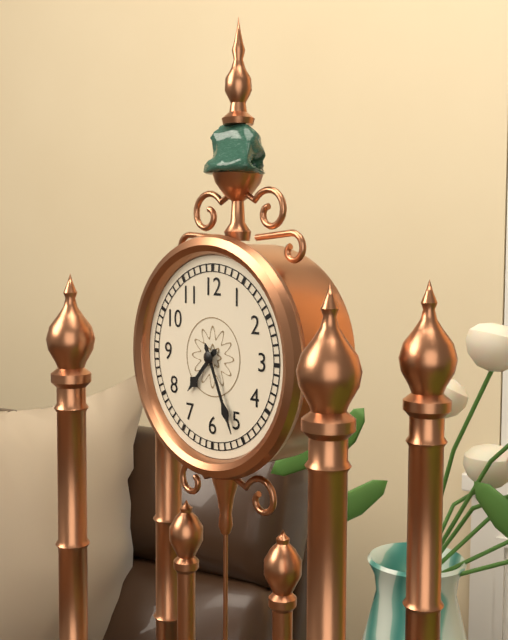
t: 7:26
